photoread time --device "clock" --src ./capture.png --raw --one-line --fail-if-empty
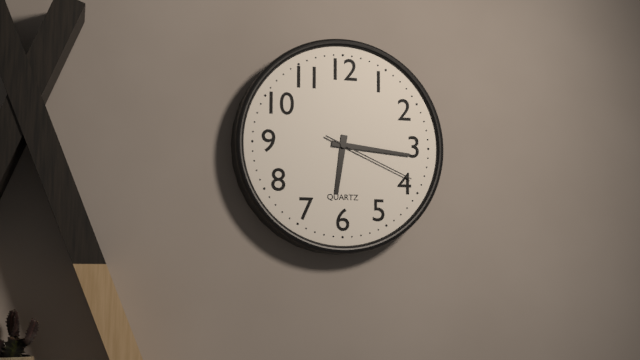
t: 6:16:19
